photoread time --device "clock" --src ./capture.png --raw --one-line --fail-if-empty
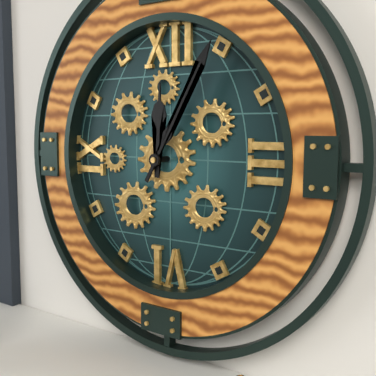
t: 12:05
